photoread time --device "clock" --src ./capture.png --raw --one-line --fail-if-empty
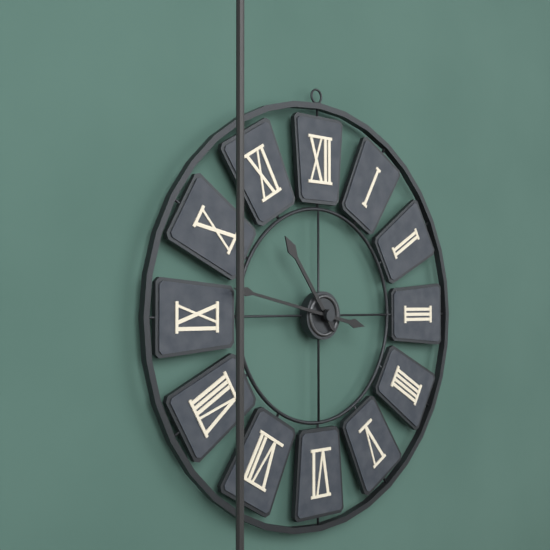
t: 10:47
